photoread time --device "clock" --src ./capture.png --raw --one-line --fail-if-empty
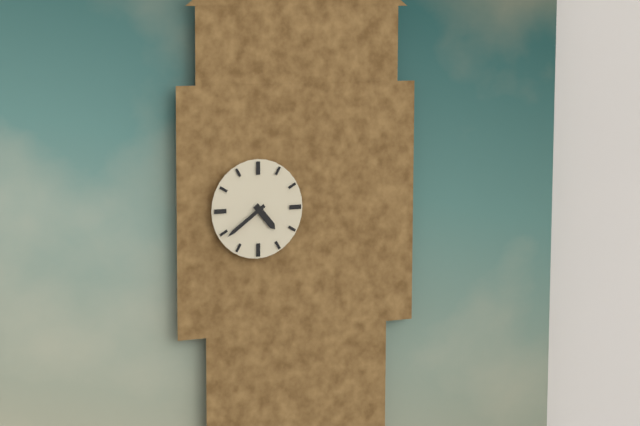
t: 4:39
